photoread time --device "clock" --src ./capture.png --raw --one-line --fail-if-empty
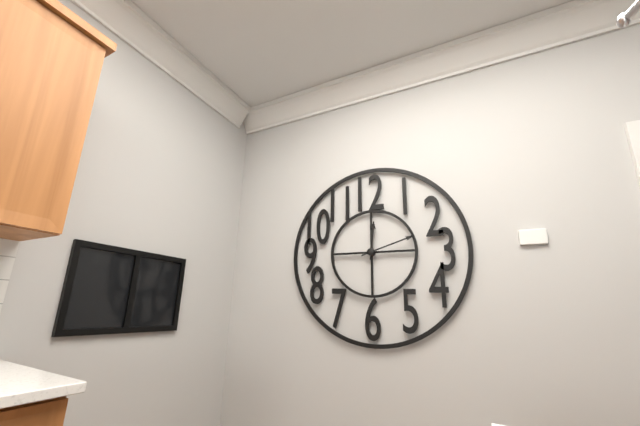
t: 12:12
